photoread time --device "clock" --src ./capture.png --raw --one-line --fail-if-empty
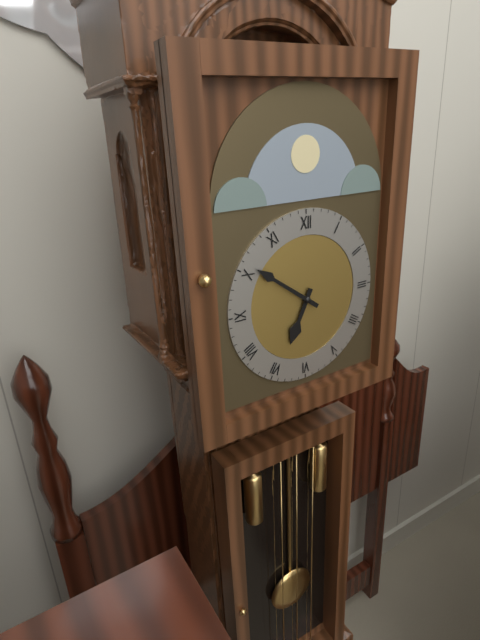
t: 6:51
